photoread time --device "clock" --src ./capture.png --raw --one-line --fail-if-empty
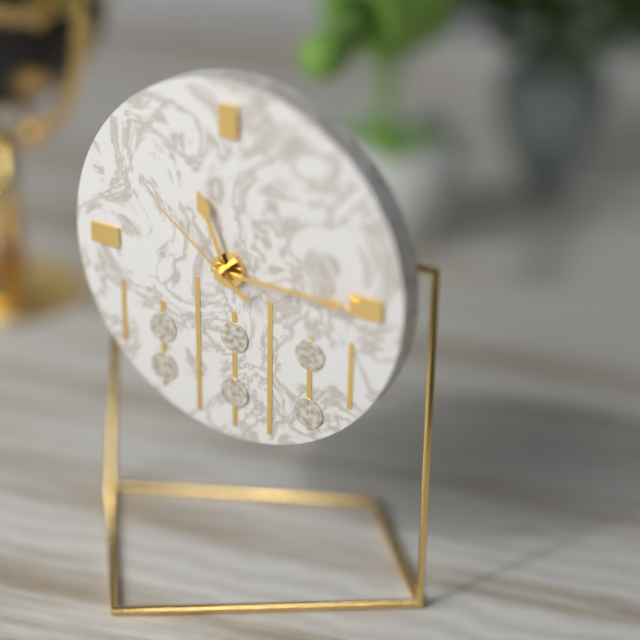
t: 11:15:51
